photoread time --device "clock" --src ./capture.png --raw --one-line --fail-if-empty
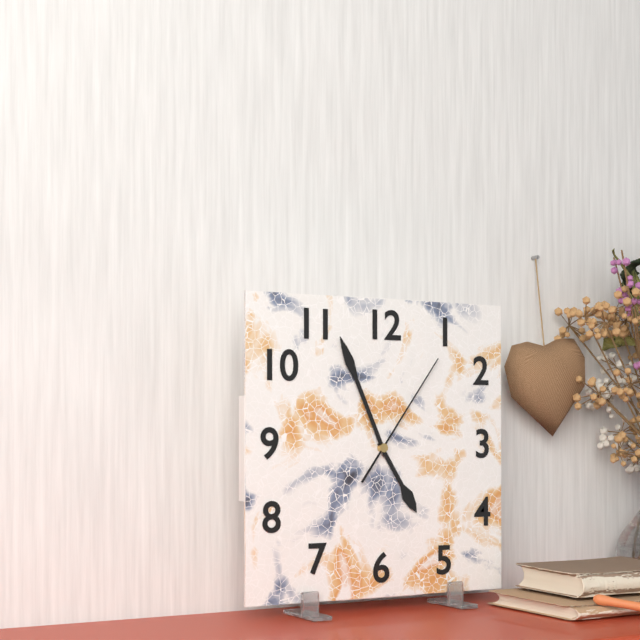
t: 4:56:06
